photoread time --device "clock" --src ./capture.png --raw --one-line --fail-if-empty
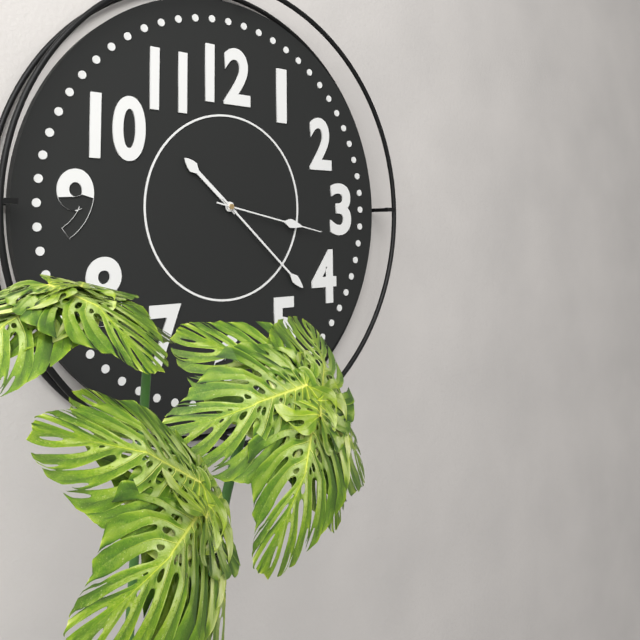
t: 10:22:17
